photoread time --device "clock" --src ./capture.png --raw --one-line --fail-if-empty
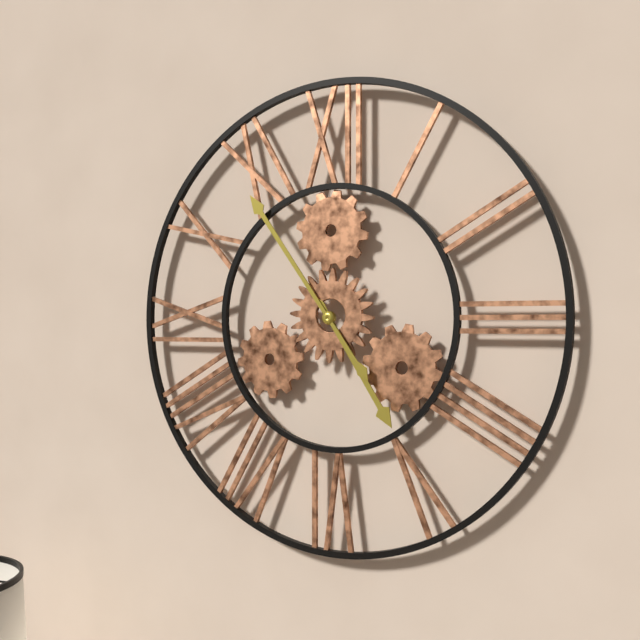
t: 4:54
